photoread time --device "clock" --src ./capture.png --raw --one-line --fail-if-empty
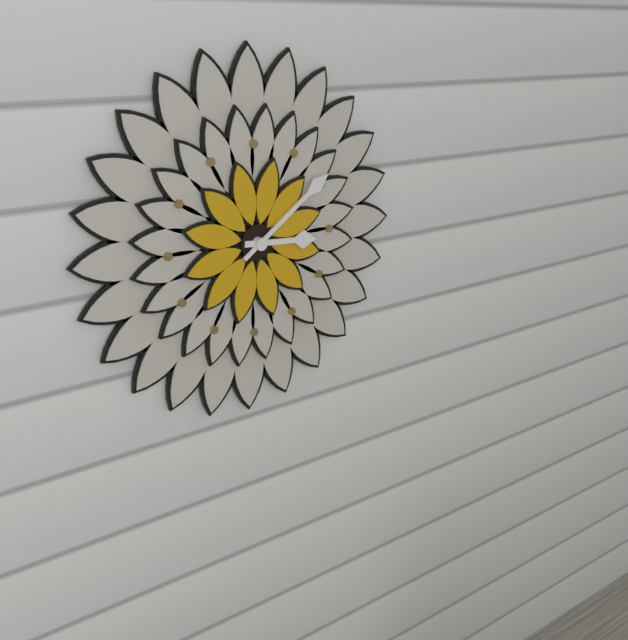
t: 3:09
